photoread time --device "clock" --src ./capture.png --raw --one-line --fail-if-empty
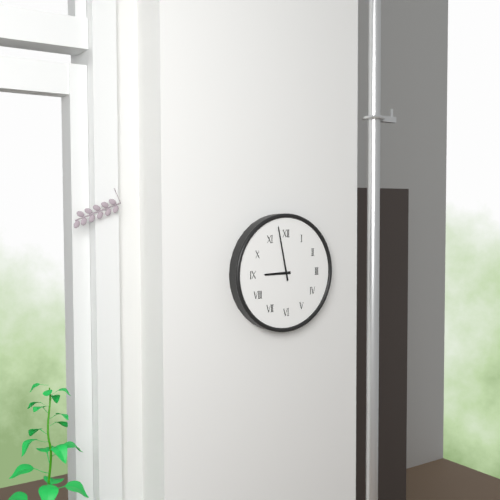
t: 8:58
